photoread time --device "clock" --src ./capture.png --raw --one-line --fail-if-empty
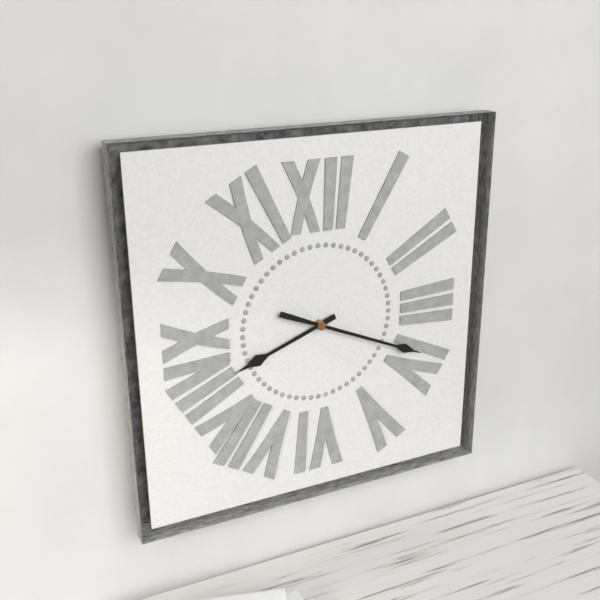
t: 8:19
